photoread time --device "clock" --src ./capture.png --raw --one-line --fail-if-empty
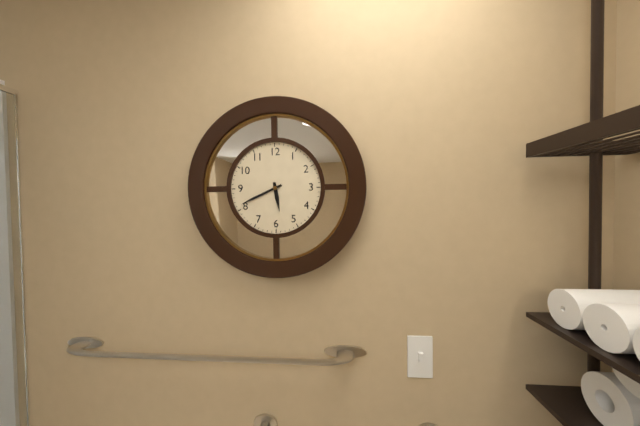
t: 5:41
